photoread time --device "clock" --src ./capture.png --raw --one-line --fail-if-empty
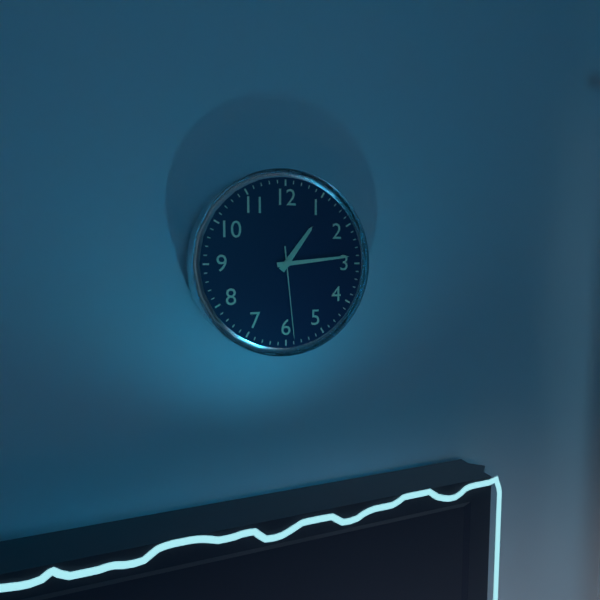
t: 1:14:29
